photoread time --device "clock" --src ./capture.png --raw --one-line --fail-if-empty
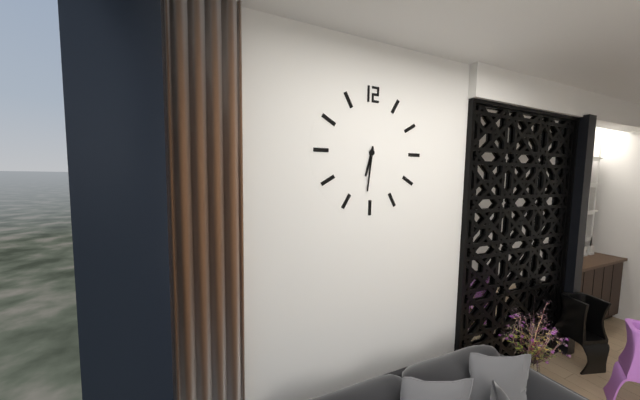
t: 6:31
